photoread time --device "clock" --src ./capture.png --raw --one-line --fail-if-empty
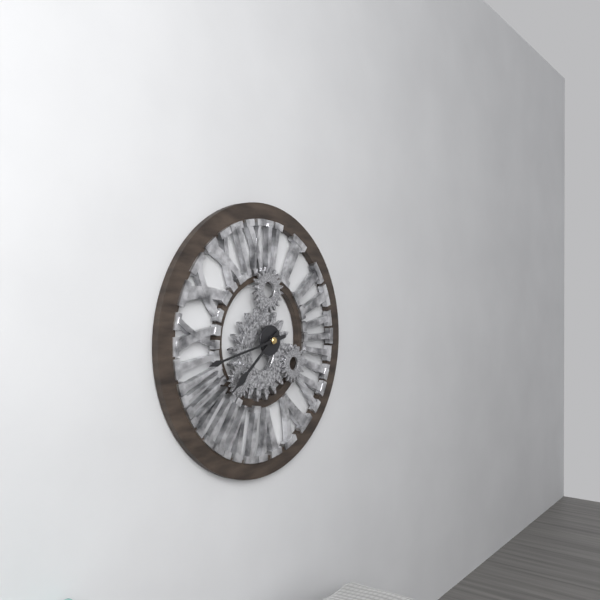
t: 7:43
